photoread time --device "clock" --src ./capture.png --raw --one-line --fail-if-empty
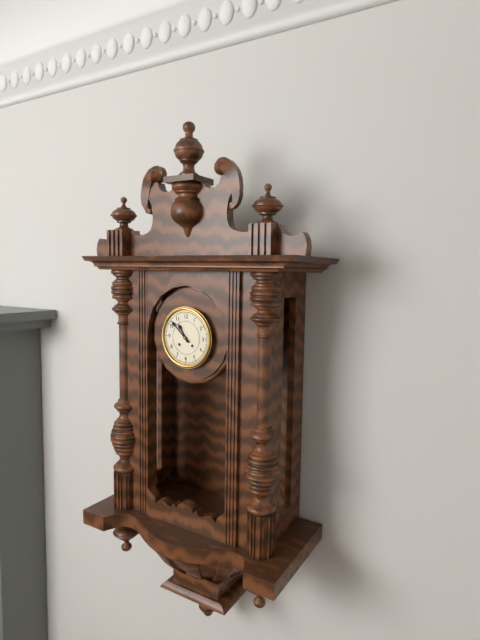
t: 10:52
